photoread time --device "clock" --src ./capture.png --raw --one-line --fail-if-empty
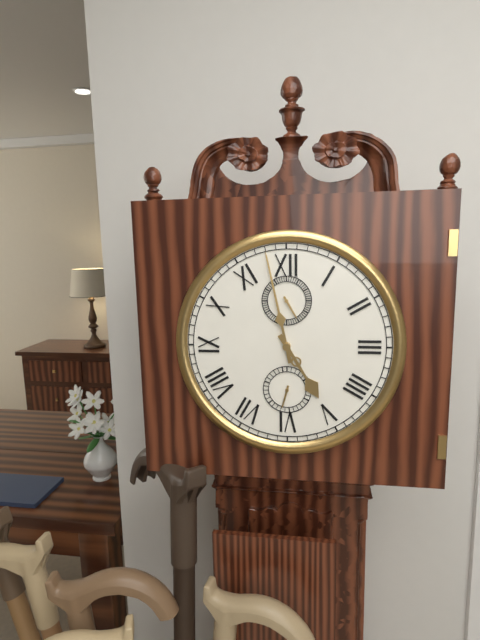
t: 4:58
